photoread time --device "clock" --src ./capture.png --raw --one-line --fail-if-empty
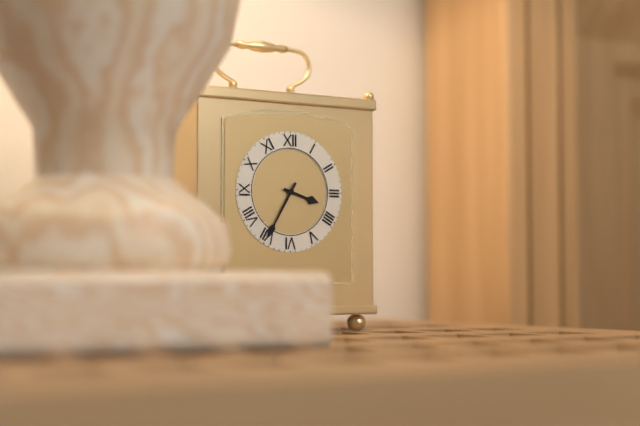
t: 3:35
